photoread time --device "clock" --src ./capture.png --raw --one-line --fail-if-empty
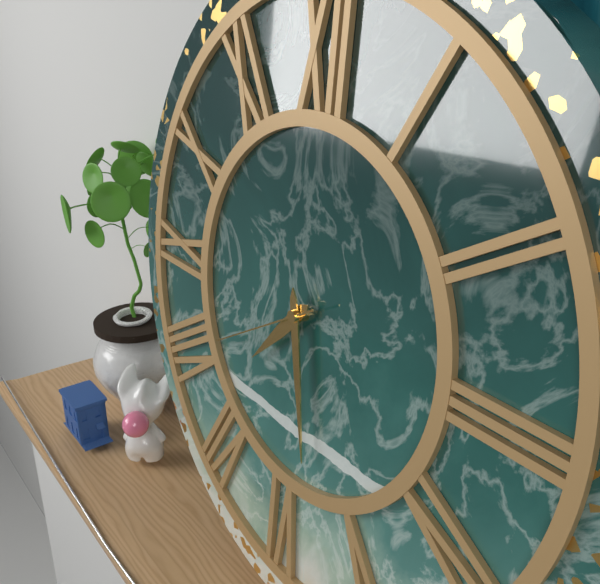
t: 7:28:40
